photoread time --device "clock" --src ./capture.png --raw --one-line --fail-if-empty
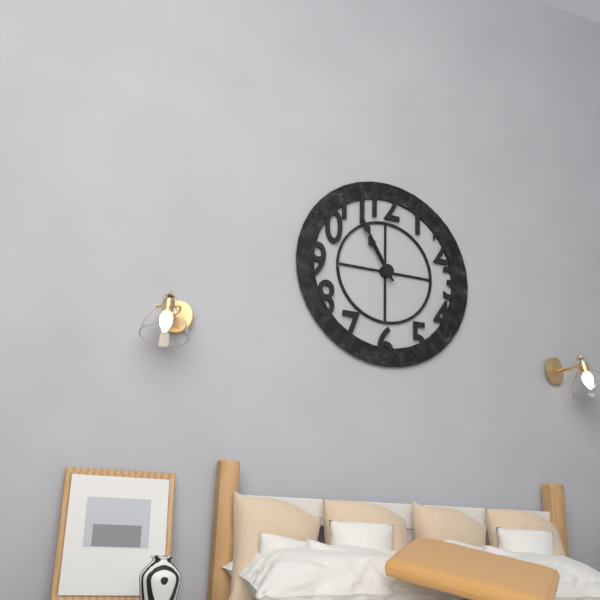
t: 10:55
